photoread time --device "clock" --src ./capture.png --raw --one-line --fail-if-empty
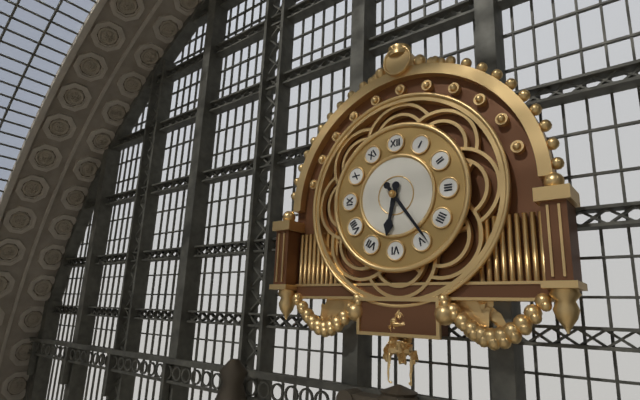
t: 6:24
